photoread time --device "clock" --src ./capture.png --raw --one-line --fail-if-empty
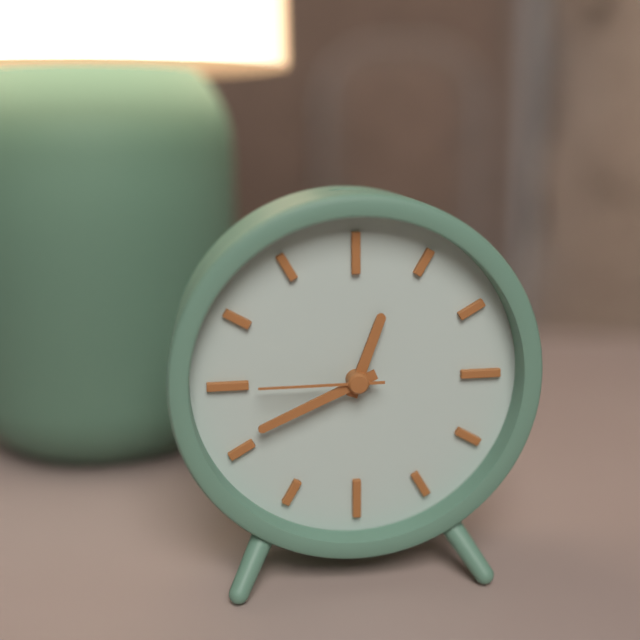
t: 12:41:45
